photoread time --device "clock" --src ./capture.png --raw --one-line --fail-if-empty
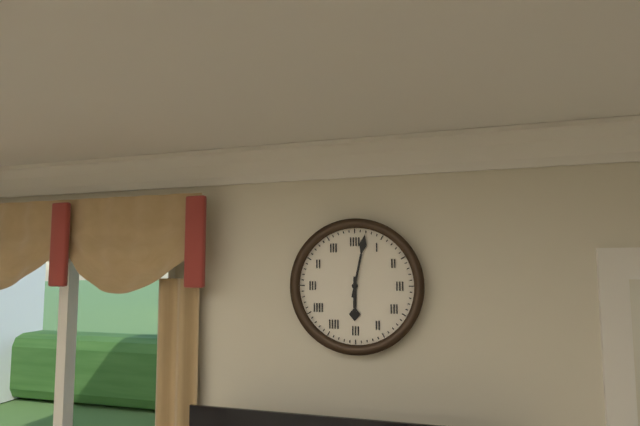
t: 6:02
